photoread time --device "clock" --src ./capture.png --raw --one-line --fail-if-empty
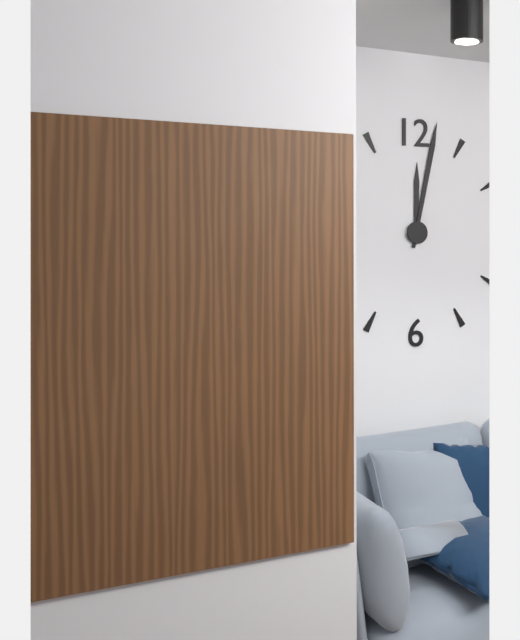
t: 12:02
